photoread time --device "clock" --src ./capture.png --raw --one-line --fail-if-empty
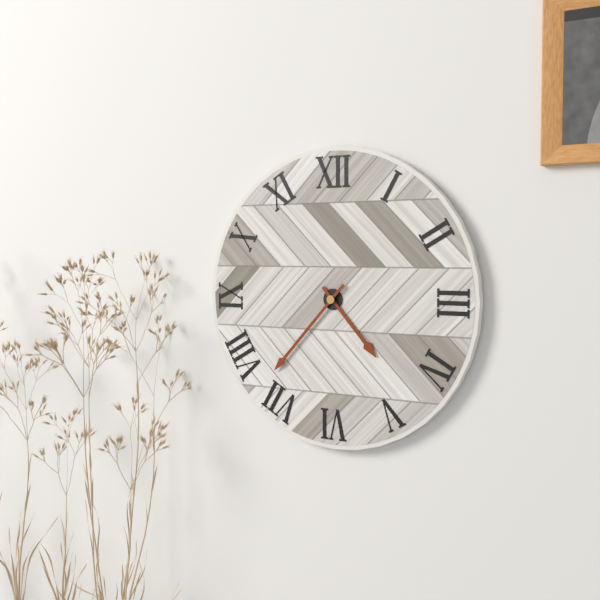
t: 4:37
